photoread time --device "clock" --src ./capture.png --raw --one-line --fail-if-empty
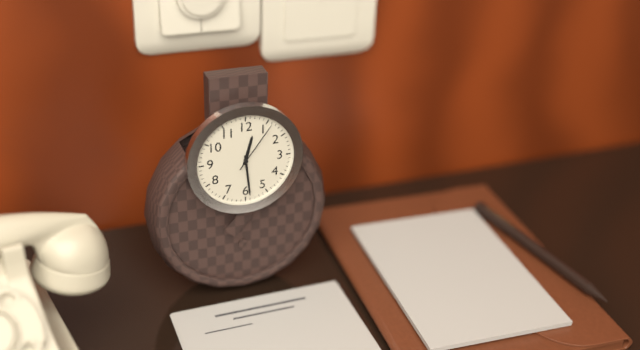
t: 12:29:06
